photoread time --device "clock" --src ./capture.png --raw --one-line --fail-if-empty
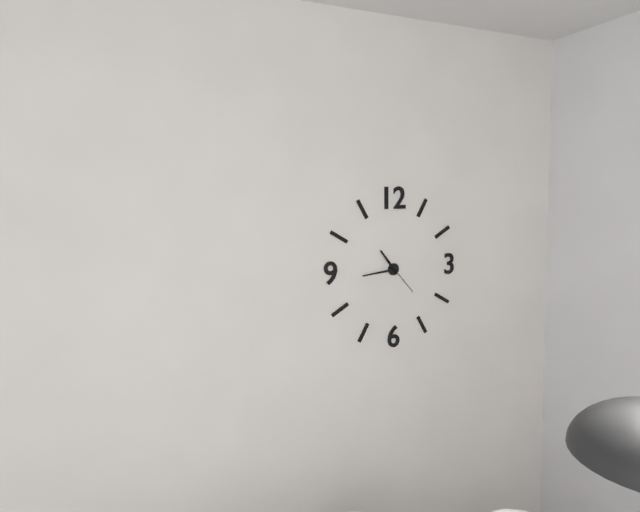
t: 10:44
